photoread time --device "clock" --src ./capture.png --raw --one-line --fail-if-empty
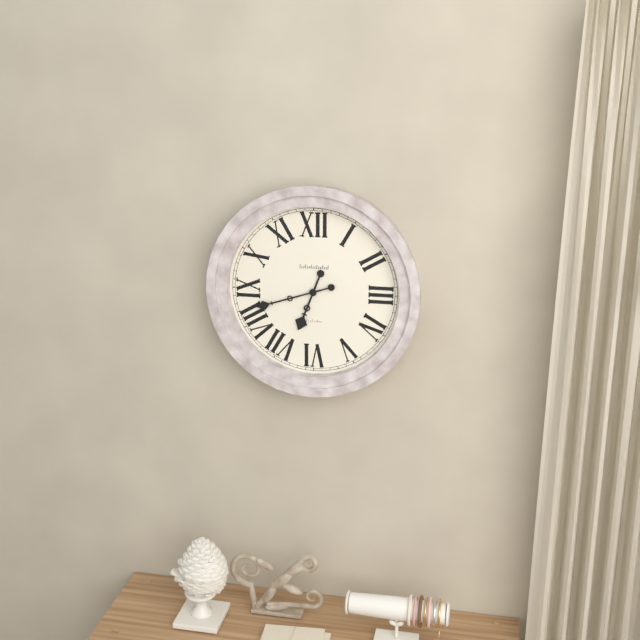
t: 6:42
